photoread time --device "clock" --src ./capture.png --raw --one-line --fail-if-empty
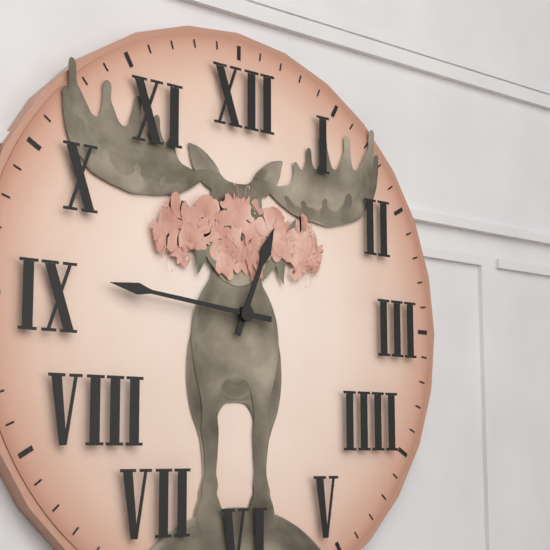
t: 12:46
